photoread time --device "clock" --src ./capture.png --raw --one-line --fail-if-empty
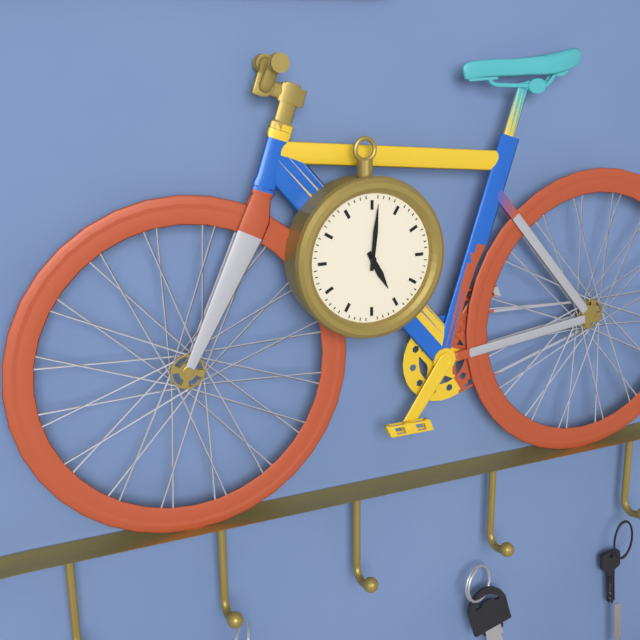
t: 5:01
